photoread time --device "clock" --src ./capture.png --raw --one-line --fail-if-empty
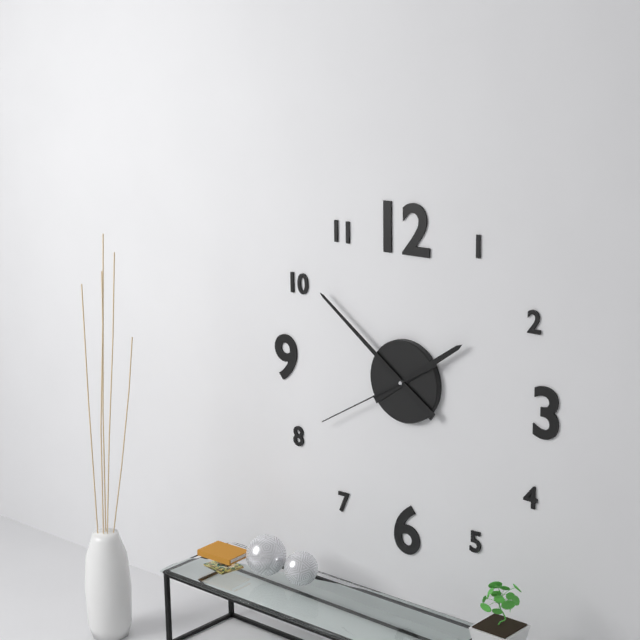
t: 1:51:40
